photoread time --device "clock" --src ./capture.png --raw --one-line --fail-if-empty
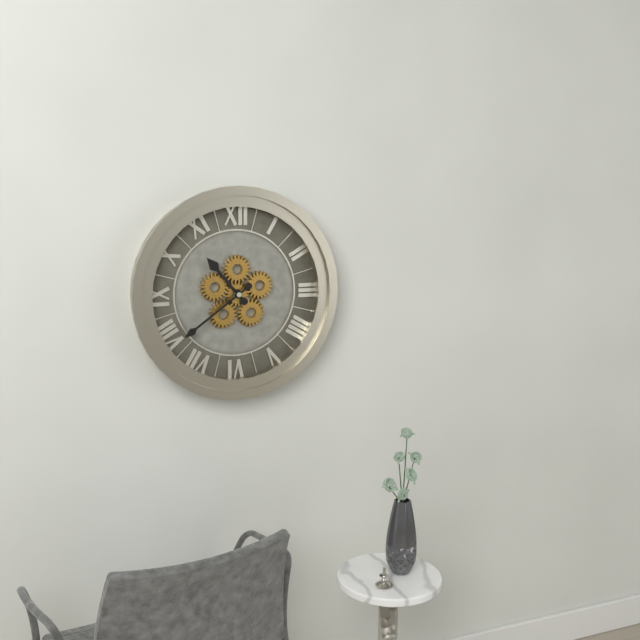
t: 10:39
